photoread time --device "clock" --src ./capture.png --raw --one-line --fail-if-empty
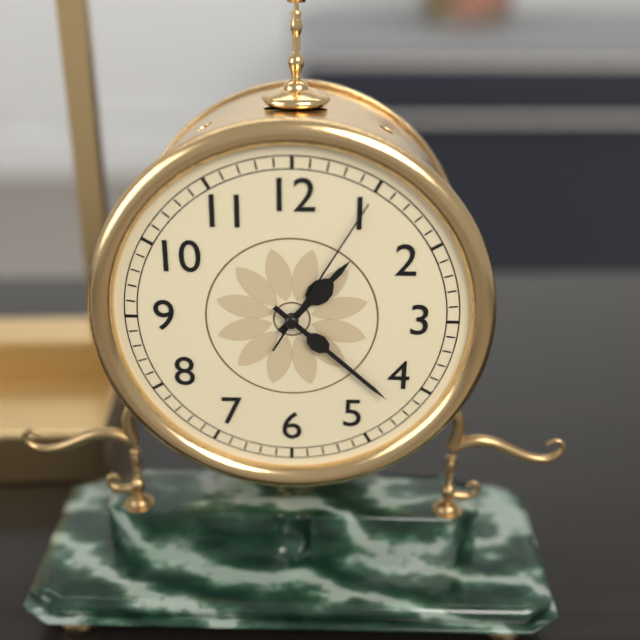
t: 1:22:05
